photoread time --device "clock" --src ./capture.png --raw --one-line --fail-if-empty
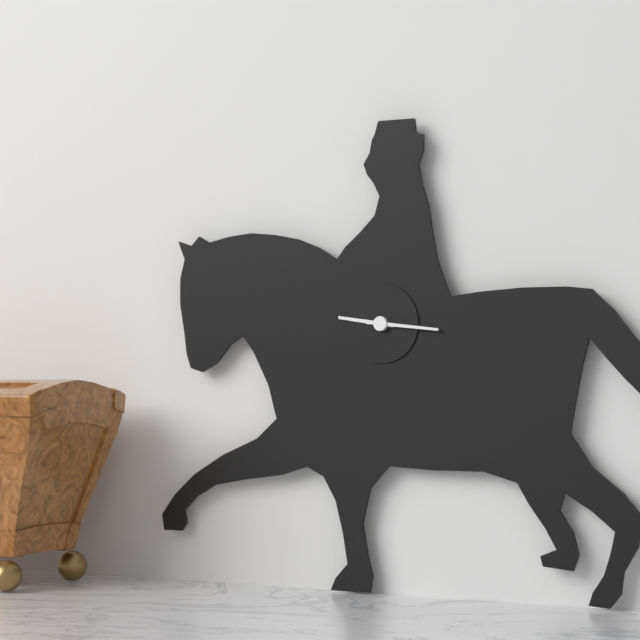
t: 9:16
